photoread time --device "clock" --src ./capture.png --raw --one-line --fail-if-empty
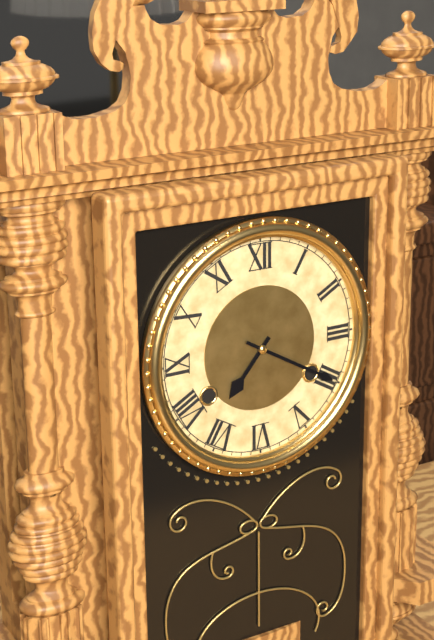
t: 7:20
